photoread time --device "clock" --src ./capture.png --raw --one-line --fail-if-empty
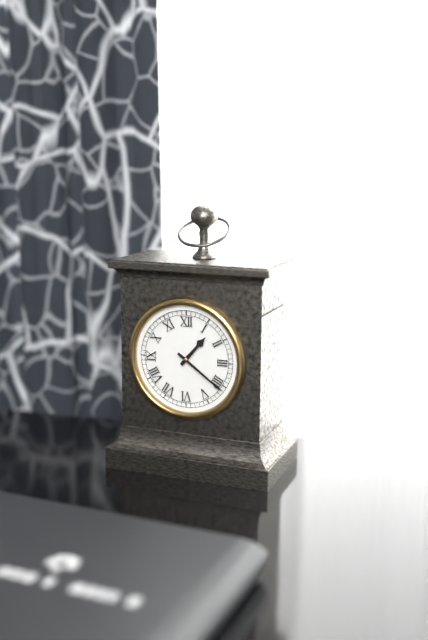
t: 1:21
